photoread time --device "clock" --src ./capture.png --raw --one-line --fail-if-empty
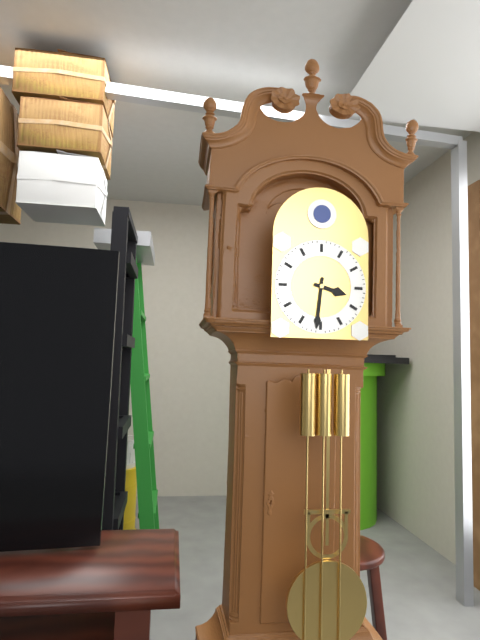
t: 3:31
